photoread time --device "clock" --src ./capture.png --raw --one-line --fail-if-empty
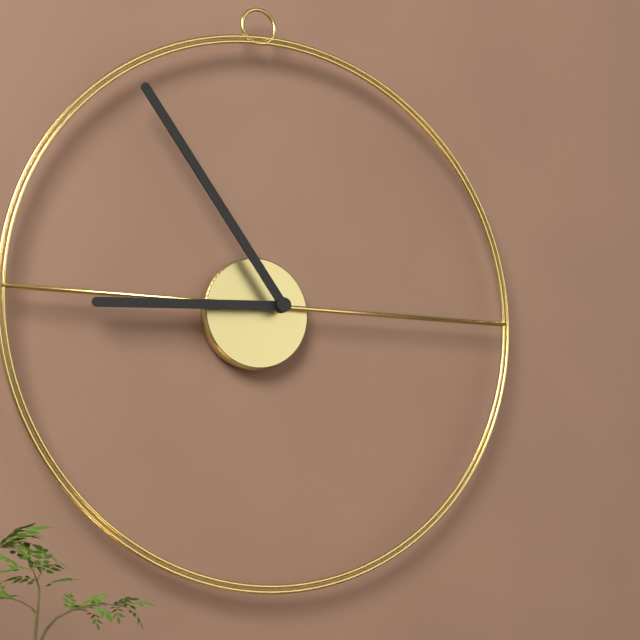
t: 8:54
